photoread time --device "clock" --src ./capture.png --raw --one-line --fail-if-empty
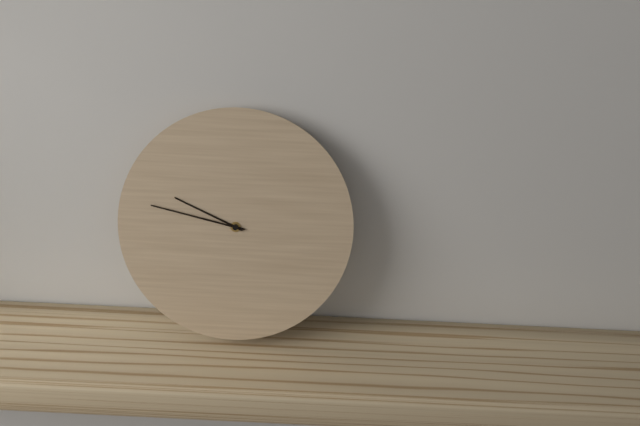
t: 9:47
